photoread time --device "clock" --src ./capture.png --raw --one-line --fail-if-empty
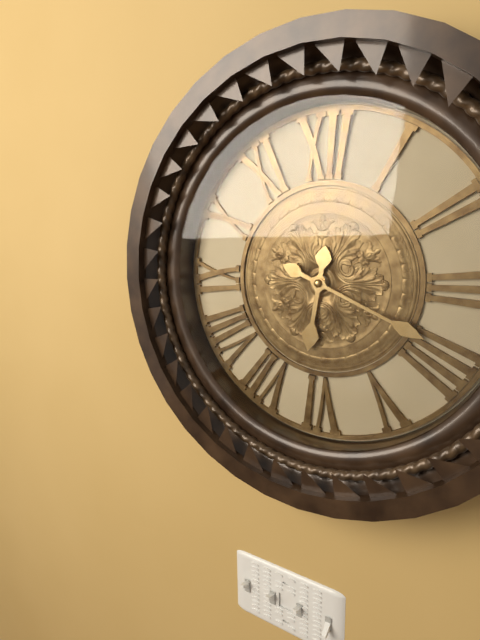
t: 6:19
